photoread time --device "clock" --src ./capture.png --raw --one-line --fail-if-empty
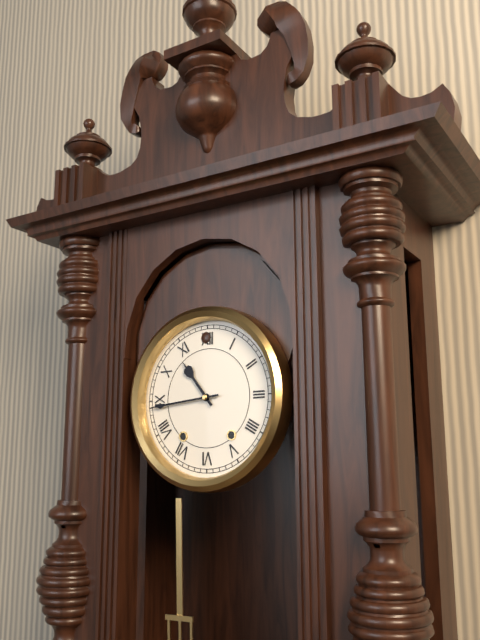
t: 10:44
